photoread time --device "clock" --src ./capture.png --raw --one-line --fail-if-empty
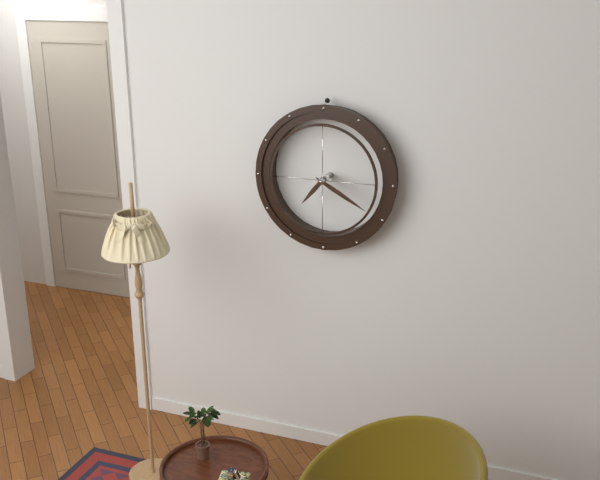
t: 7:20
